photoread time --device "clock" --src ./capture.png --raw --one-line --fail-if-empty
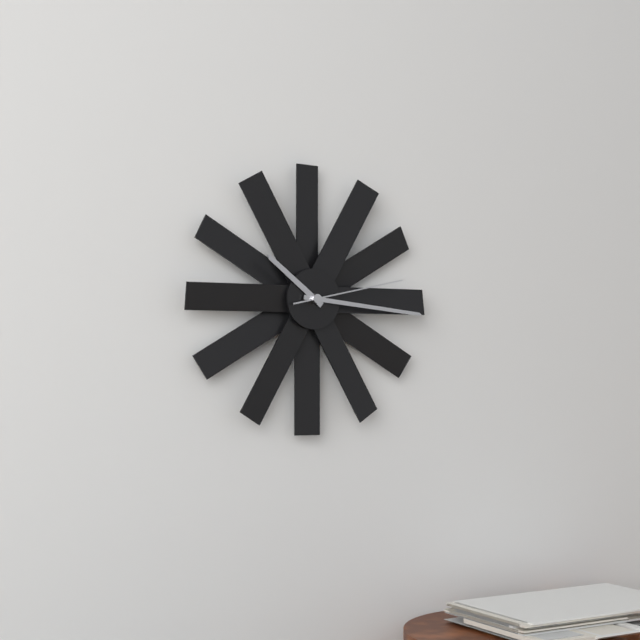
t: 10:16:13
